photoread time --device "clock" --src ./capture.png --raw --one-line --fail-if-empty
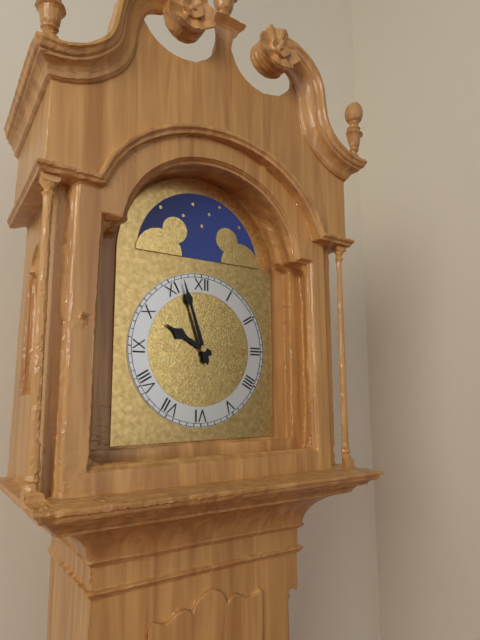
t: 9:57
